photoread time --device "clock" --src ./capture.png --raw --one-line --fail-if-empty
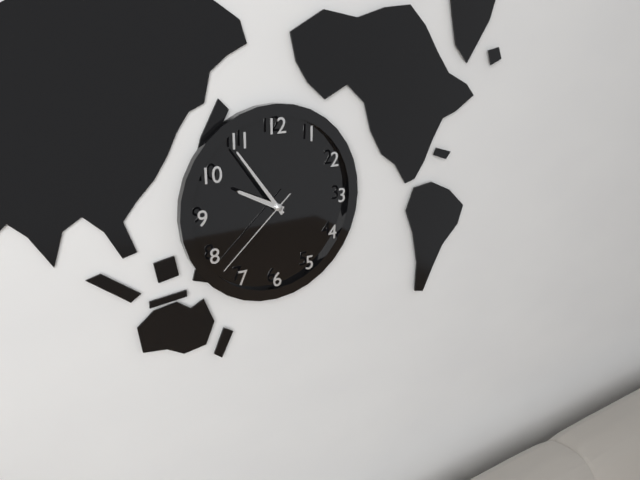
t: 9:54:38
